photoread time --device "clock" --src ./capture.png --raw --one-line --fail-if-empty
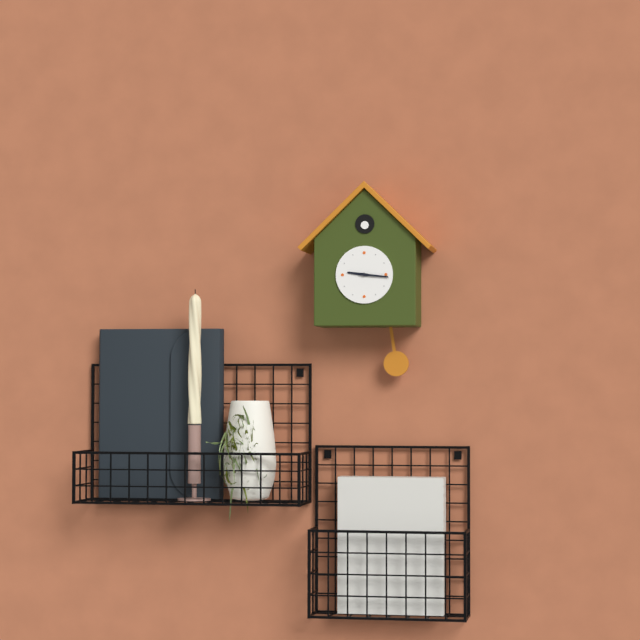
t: 9:16
